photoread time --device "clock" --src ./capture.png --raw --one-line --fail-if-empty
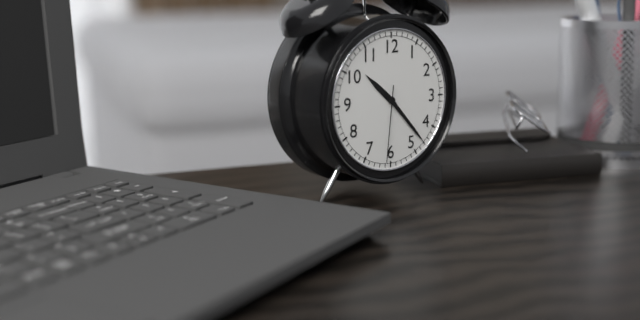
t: 10:23:31
